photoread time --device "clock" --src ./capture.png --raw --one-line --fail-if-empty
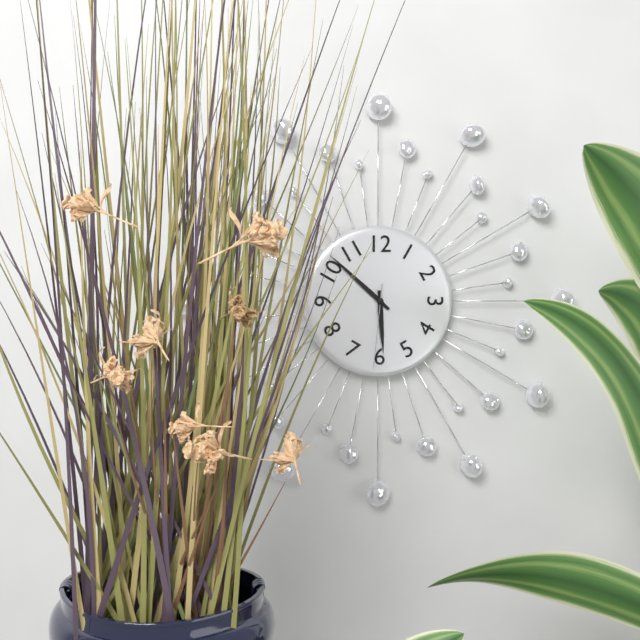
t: 5:52:31
